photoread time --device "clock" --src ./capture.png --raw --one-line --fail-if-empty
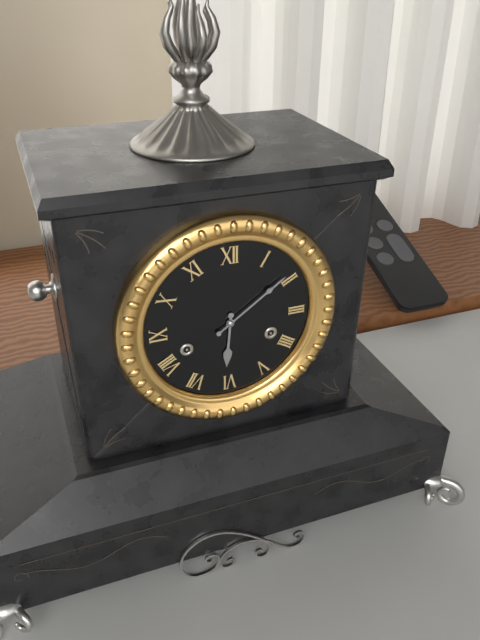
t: 6:09
